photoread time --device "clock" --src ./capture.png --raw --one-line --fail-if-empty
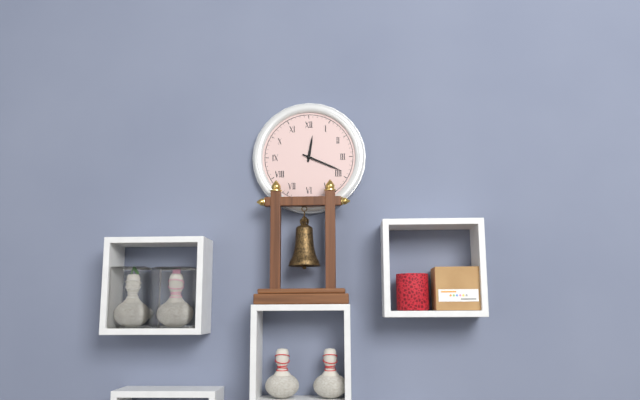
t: 12:19
